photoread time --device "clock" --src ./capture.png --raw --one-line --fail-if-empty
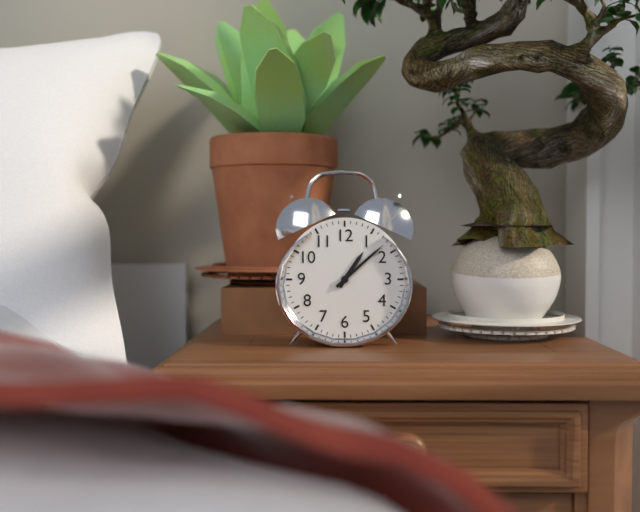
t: 1:08
